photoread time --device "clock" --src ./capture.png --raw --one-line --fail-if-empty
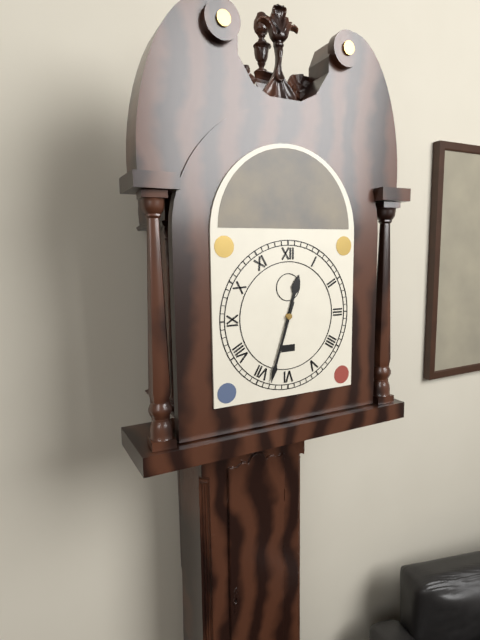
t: 12:33
